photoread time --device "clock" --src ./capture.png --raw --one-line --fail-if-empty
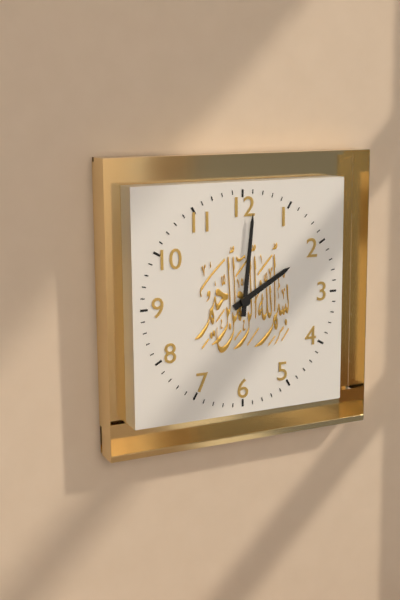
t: 2:01
